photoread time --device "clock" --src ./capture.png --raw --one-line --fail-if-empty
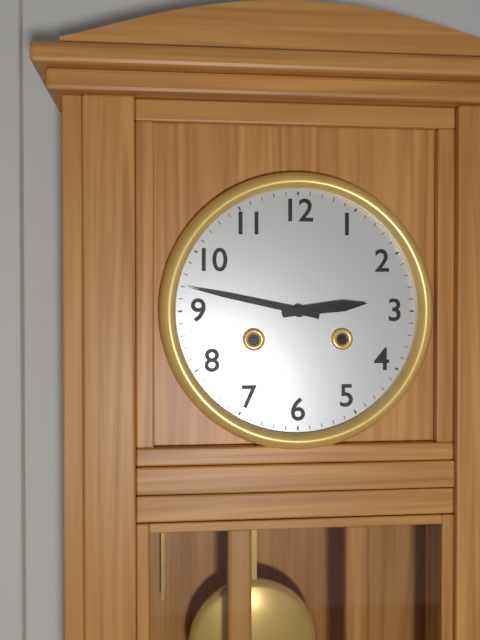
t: 2:47
